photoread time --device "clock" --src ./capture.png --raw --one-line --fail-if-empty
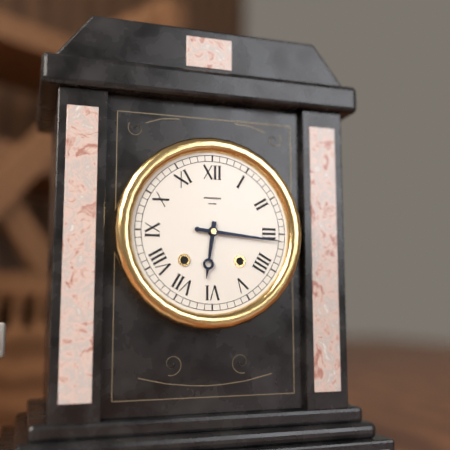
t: 6:16
